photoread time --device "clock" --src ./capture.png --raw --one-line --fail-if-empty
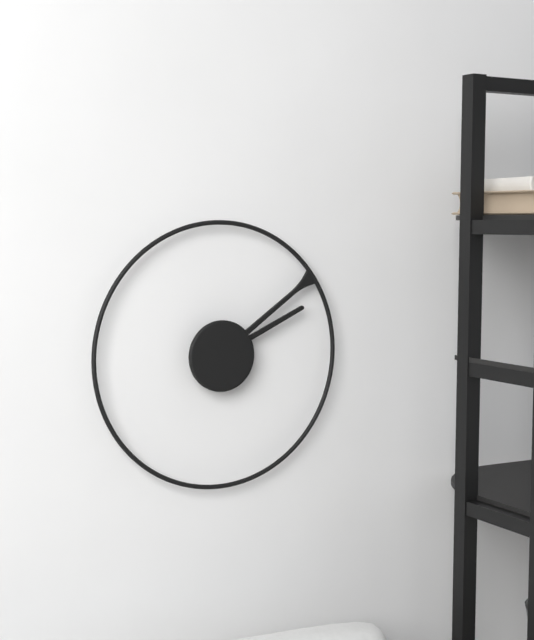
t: 2:09
